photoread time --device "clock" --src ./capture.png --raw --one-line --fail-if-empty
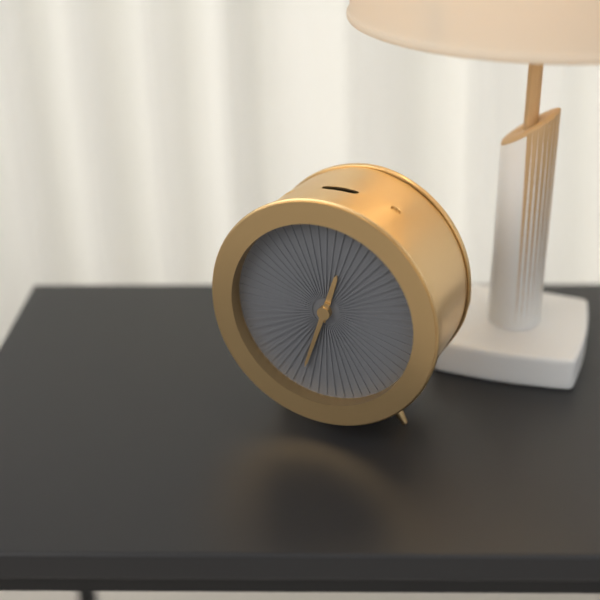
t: 12:33
